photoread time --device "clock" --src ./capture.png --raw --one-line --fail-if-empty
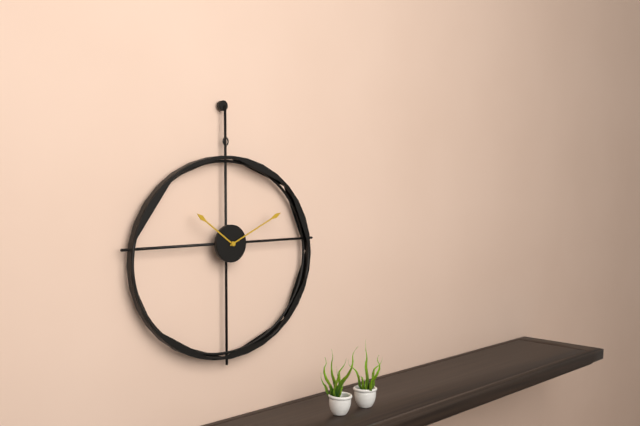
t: 10:11
